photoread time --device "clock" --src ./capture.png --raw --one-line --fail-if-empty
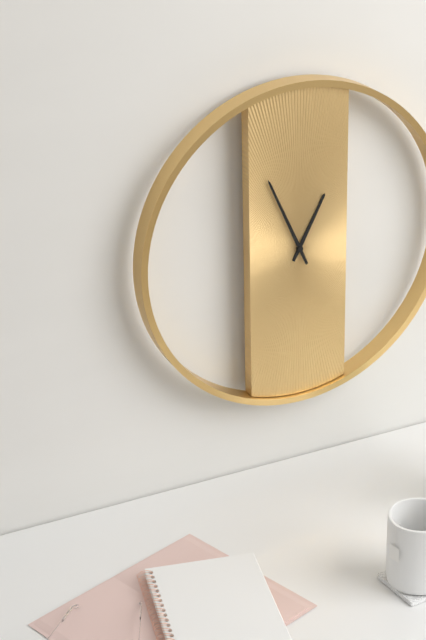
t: 12:56
